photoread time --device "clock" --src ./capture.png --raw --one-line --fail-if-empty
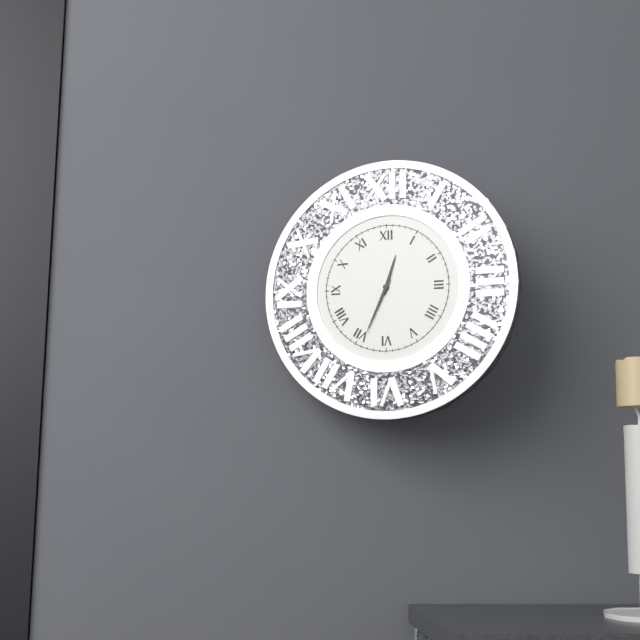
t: 12:34
